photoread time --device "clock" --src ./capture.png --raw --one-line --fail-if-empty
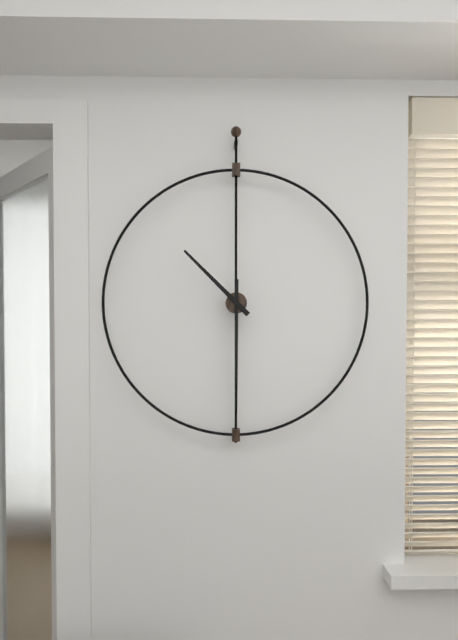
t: 10:30
